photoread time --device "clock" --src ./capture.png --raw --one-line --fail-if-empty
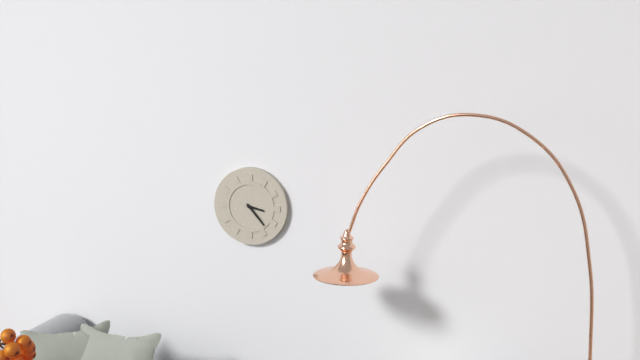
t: 3:23
